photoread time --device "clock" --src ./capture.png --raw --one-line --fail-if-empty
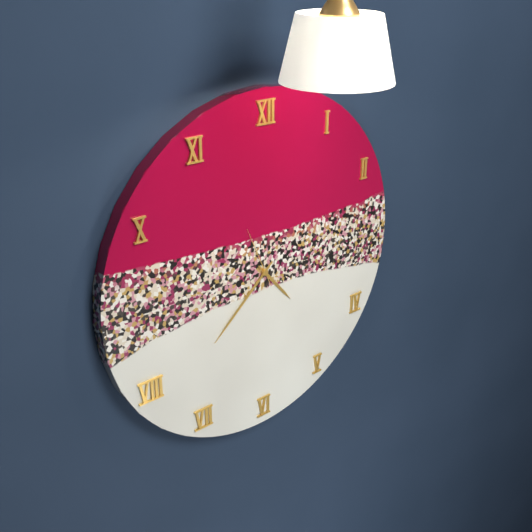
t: 4:38
